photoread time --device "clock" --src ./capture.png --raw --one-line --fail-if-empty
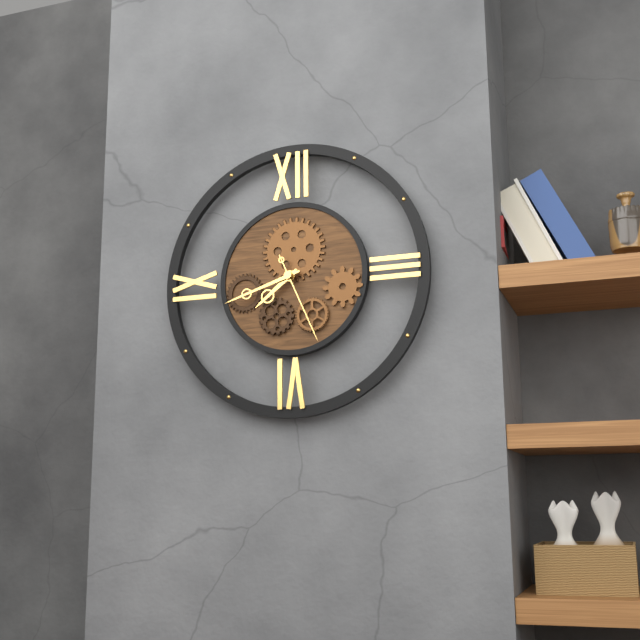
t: 7:42:26
